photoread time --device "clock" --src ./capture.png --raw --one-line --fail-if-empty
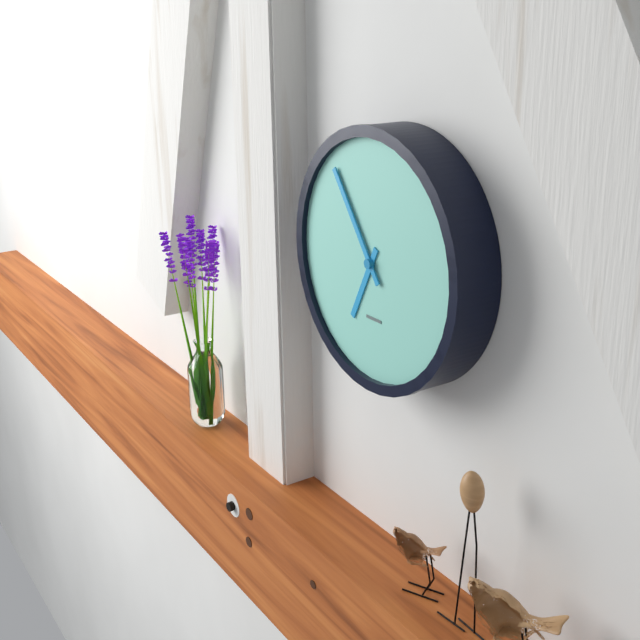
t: 6:54
